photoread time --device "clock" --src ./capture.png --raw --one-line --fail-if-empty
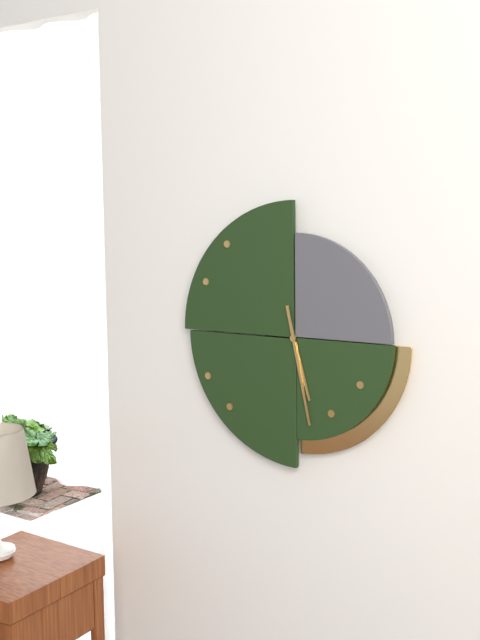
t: 5:28
